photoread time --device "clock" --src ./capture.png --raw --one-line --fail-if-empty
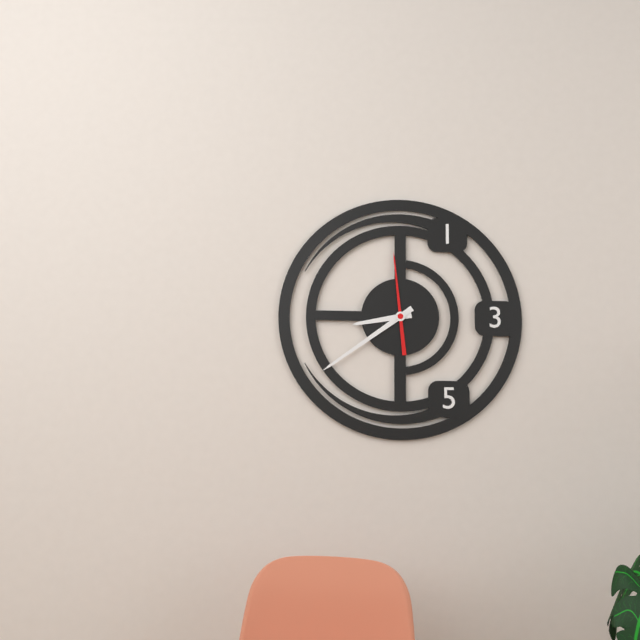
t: 8:39:59
